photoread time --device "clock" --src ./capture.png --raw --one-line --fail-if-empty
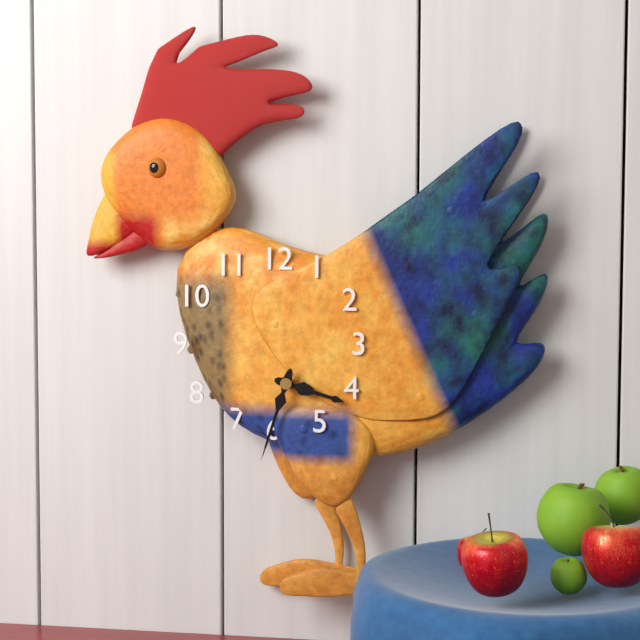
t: 3:33
